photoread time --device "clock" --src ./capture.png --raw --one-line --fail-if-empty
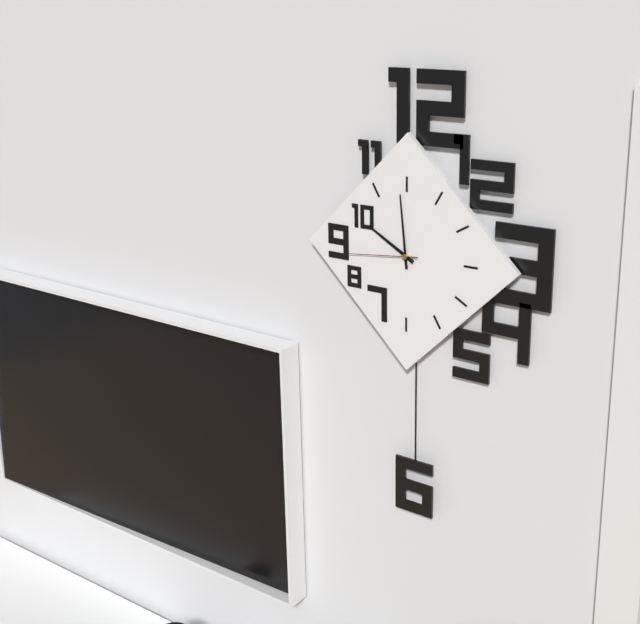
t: 9:59:44
